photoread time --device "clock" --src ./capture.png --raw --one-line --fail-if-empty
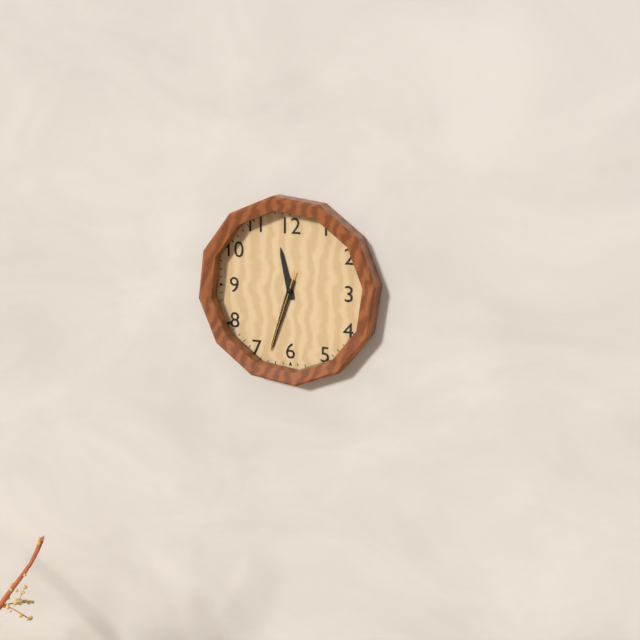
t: 11:33:33
